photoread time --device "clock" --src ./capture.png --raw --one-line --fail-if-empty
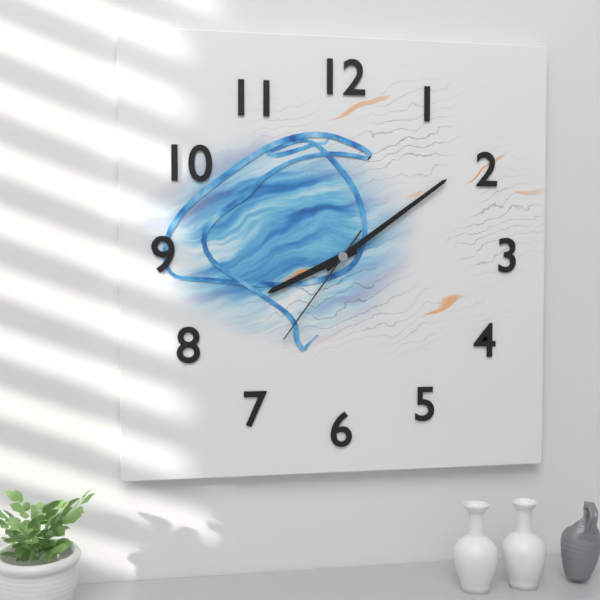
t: 8:09:36
